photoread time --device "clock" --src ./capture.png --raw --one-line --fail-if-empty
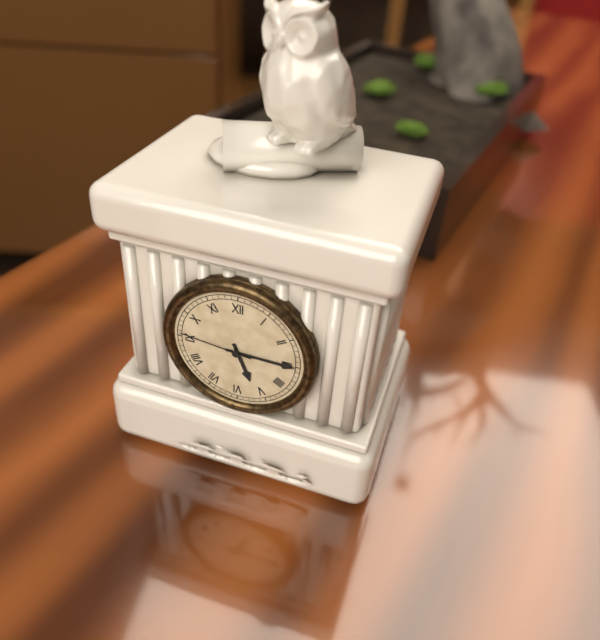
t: 5:15:46
